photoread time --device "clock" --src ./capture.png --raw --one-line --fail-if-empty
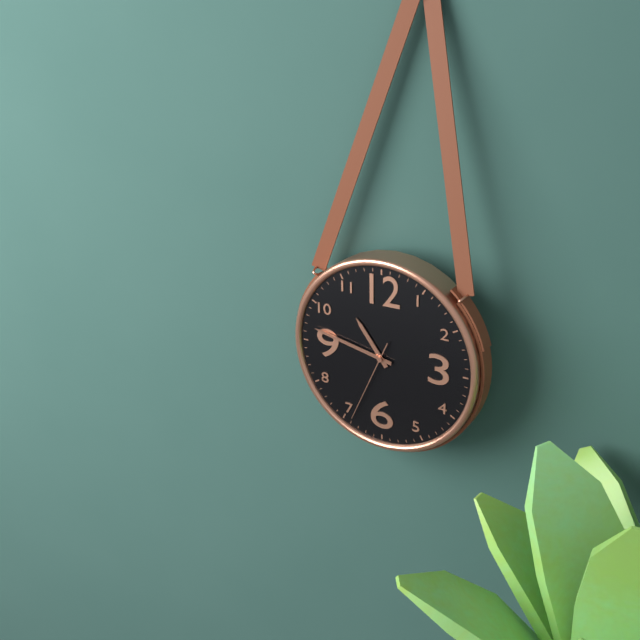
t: 10:47:34
